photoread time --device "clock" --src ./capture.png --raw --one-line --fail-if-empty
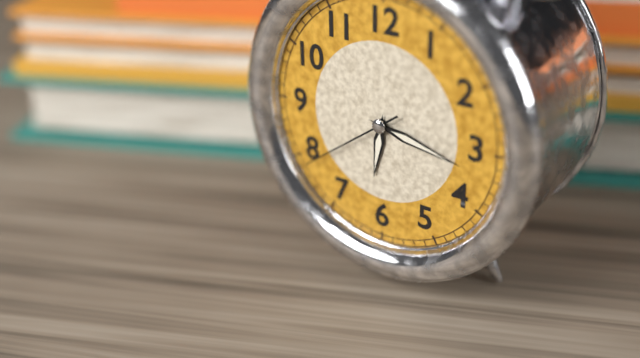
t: 6:17:39
